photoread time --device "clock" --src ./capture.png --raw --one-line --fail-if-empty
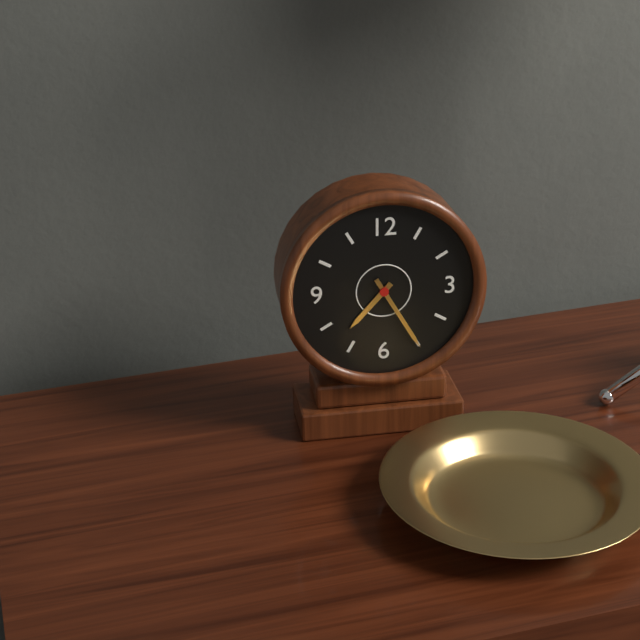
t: 7:25
